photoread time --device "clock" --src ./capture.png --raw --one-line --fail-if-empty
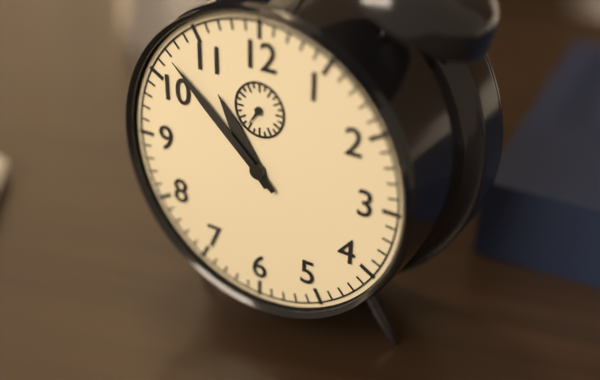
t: 10:52
